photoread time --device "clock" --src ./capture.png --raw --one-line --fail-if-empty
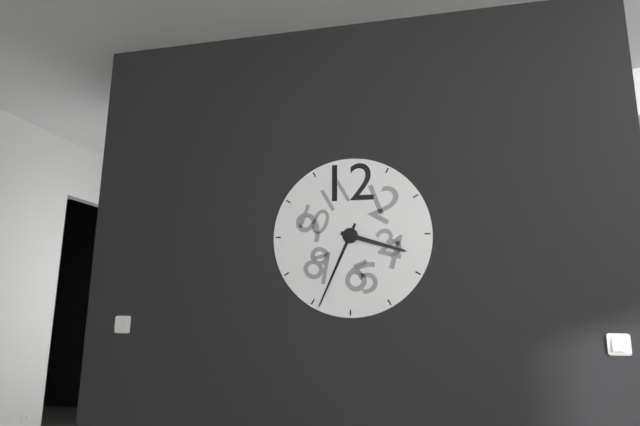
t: 3:34
